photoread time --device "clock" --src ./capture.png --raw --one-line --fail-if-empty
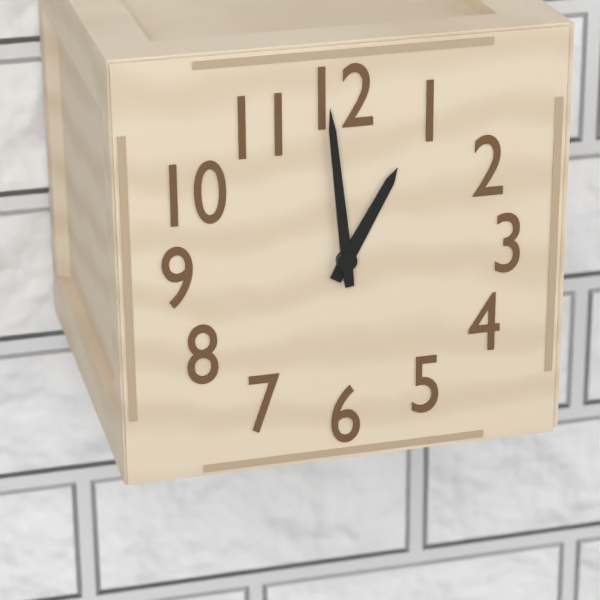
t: 12:59
